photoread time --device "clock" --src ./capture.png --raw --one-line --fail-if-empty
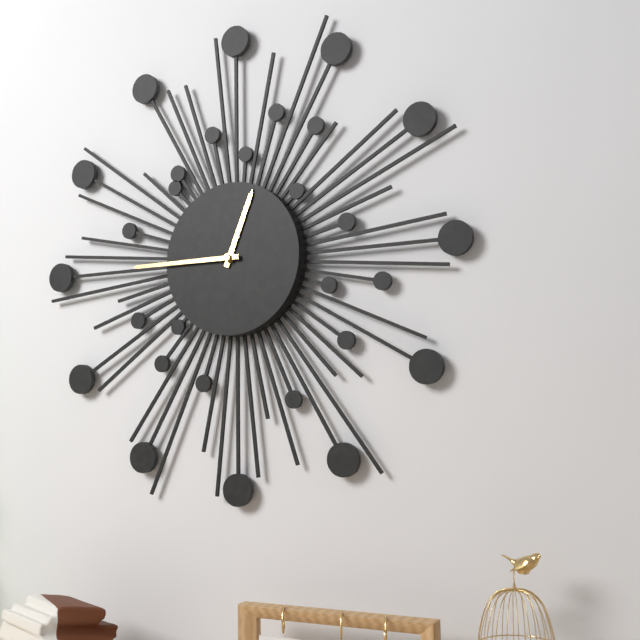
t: 12:45
